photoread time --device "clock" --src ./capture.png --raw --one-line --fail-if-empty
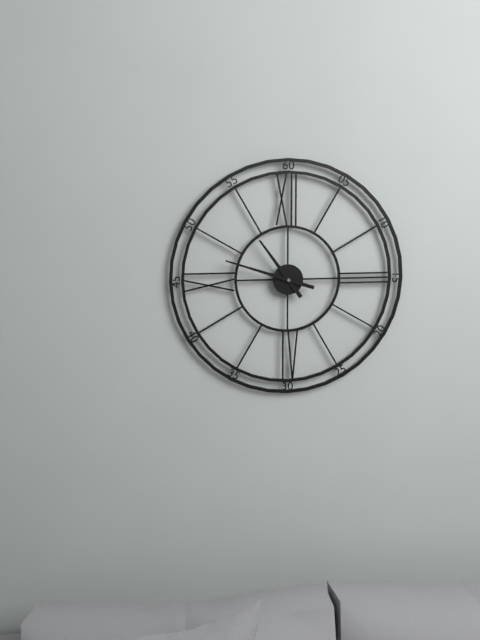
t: 10:48
